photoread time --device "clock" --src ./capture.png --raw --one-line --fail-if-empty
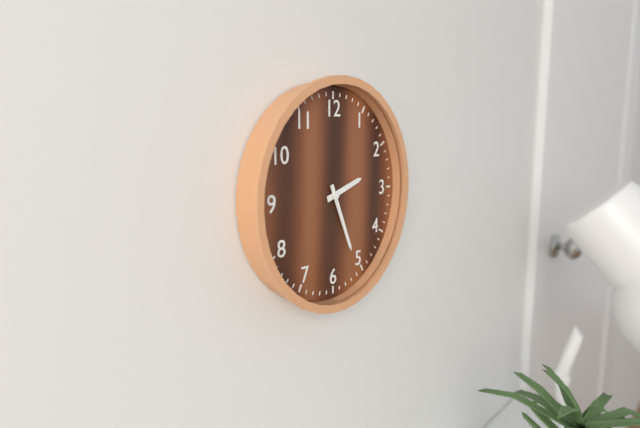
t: 2:26
